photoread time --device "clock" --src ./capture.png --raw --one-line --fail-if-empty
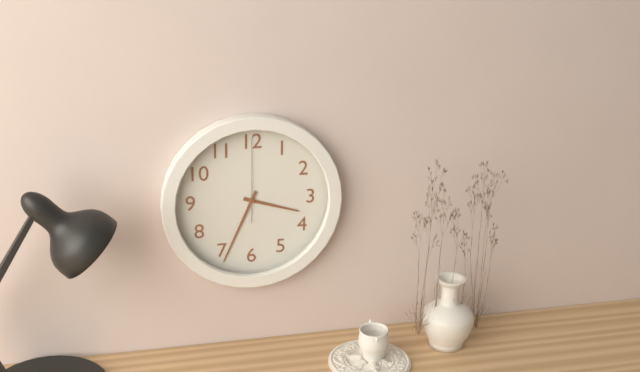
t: 3:34:00
